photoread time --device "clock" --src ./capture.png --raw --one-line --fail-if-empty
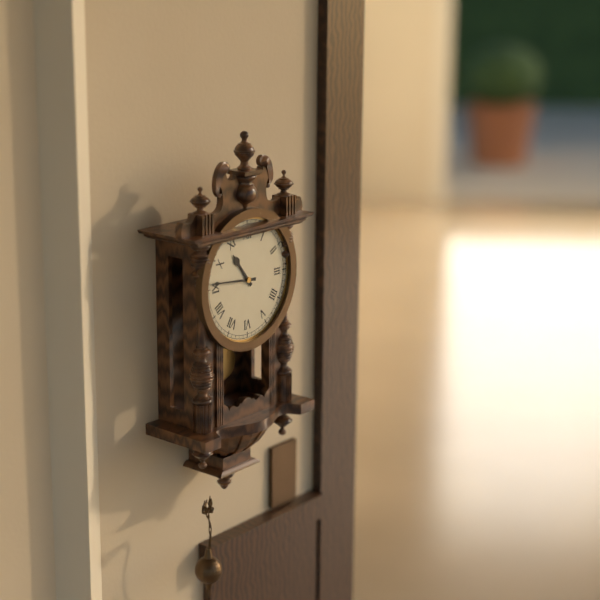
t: 10:46
